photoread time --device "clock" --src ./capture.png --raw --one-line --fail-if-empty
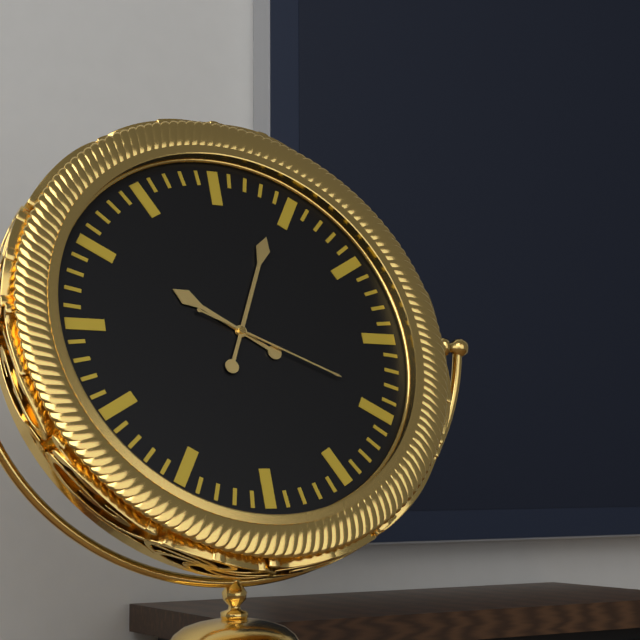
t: 10:04:19
